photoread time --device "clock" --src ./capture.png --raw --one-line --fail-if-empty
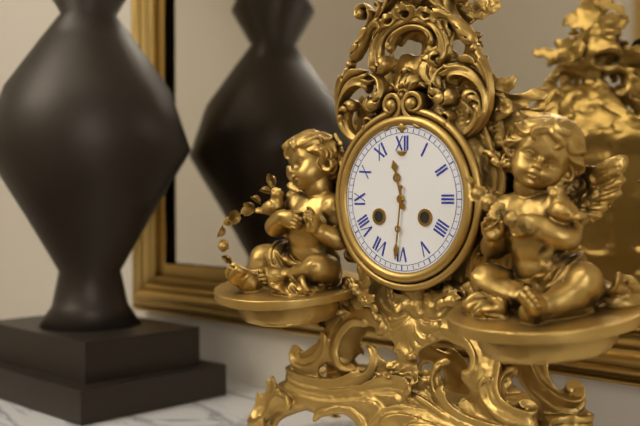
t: 11:31
